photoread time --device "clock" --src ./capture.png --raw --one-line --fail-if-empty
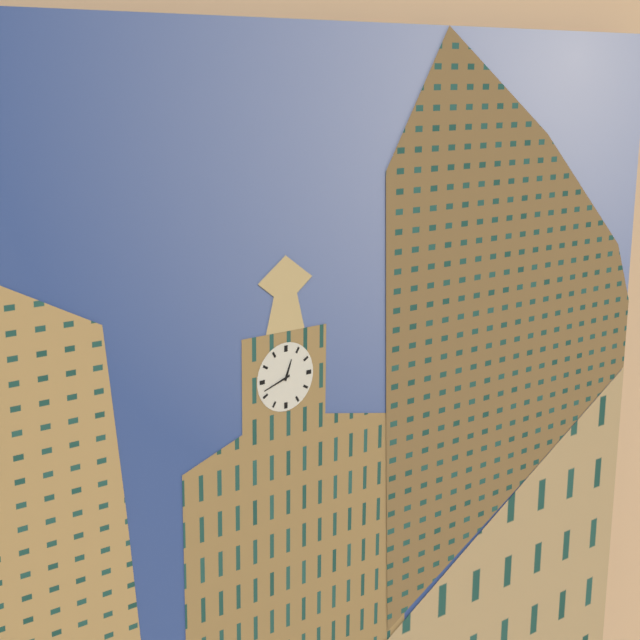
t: 12:42
